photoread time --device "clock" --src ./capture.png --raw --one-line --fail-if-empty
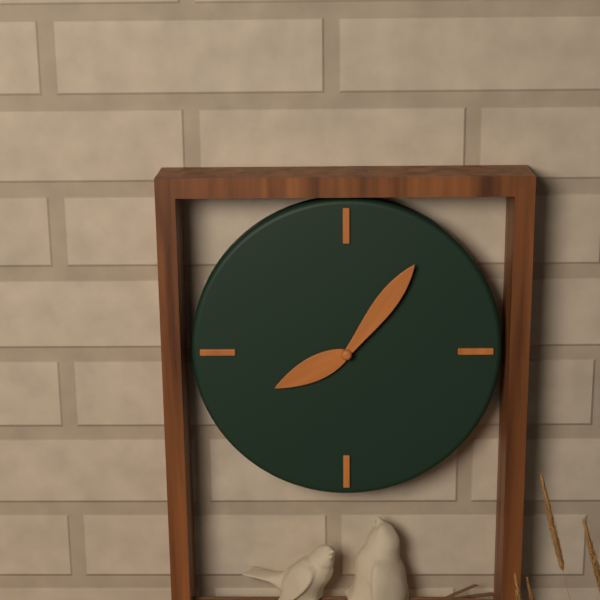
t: 8:06
